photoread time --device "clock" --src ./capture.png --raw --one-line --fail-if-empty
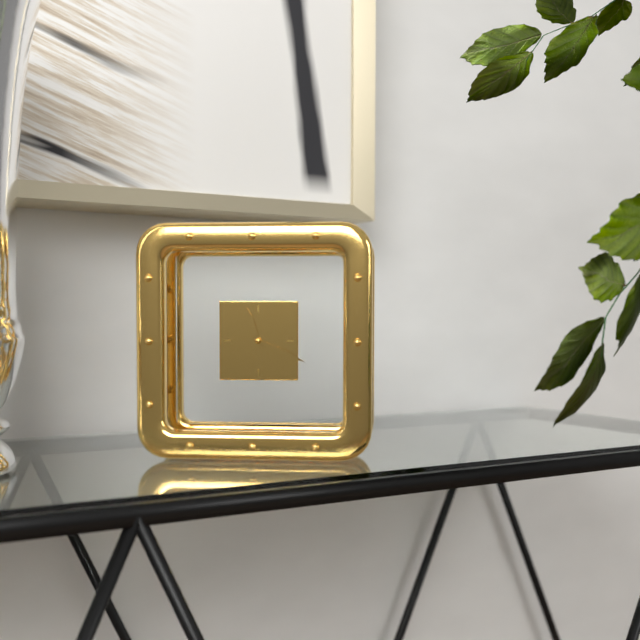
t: 11:19
